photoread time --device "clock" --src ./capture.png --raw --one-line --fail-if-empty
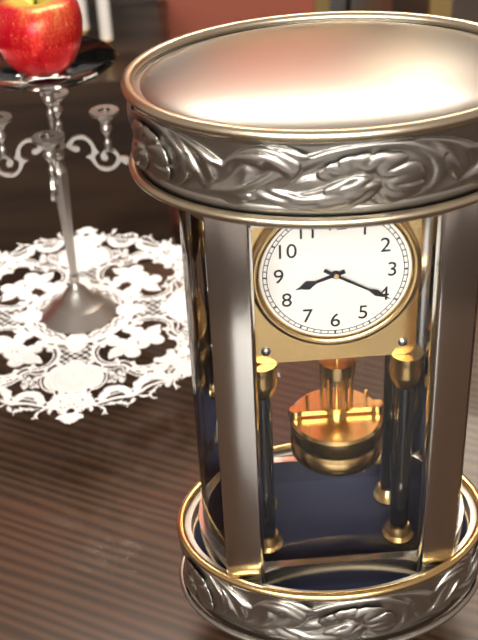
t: 8:20
